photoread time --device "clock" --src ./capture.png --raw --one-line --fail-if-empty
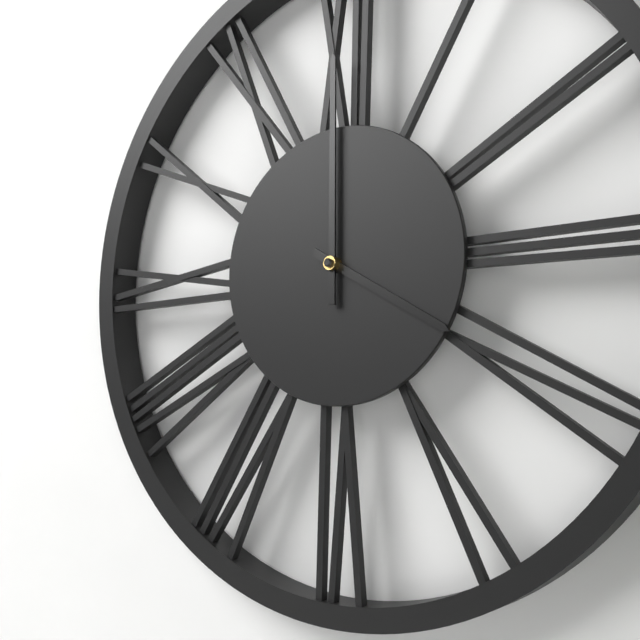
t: 4:00
